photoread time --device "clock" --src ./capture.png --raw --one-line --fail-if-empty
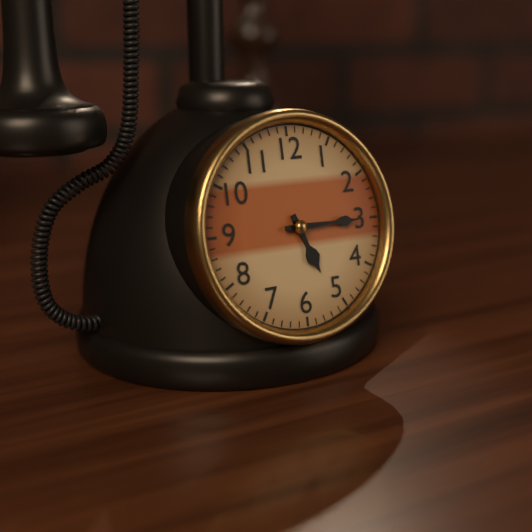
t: 5:15
